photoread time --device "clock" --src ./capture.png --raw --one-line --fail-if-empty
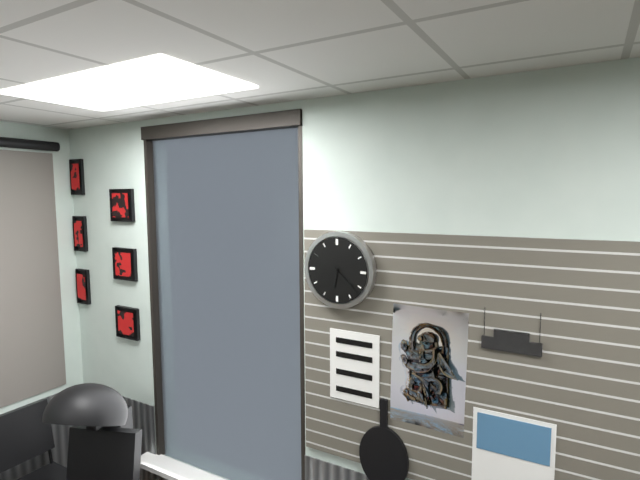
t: 6:22
